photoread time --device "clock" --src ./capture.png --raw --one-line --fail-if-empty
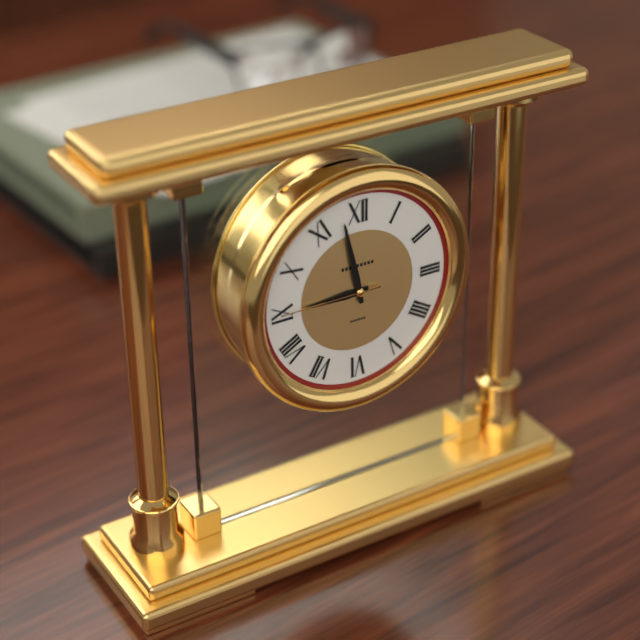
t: 8:58:45
